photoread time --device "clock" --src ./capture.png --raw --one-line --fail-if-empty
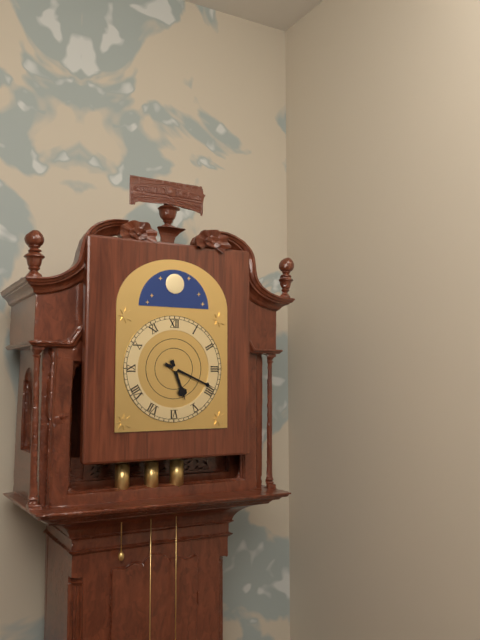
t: 5:19
